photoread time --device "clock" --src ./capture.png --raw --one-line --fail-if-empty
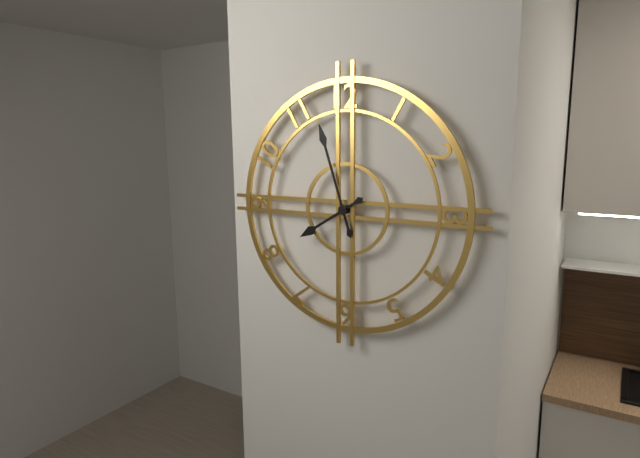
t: 7:57
